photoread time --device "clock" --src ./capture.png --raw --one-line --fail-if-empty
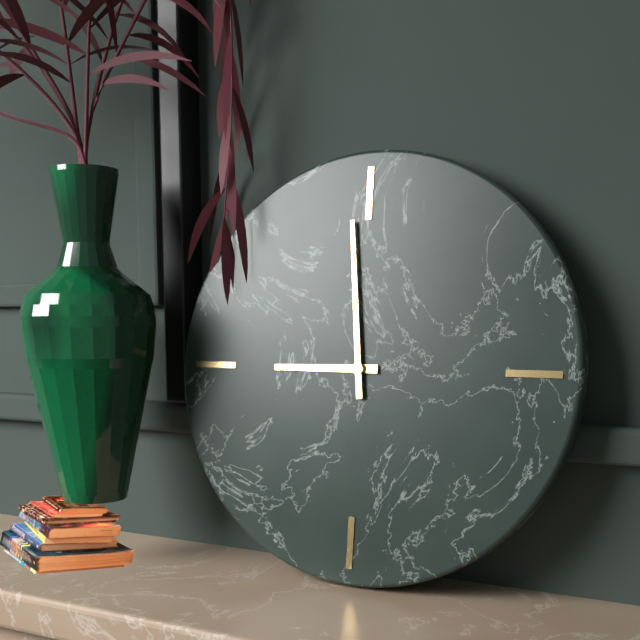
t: 8:59
